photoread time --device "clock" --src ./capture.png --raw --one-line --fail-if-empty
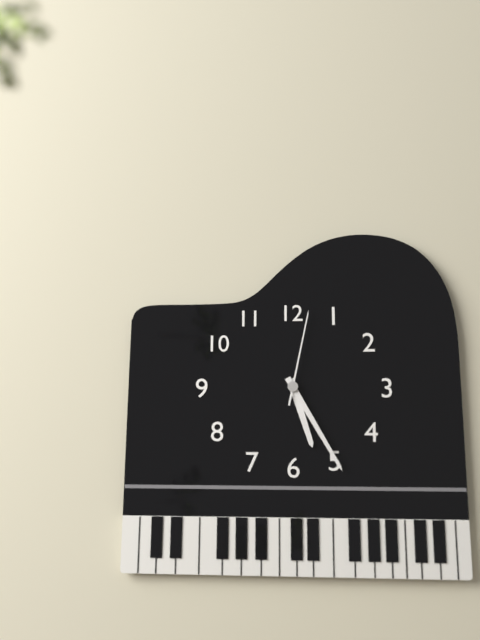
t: 5:25:02
